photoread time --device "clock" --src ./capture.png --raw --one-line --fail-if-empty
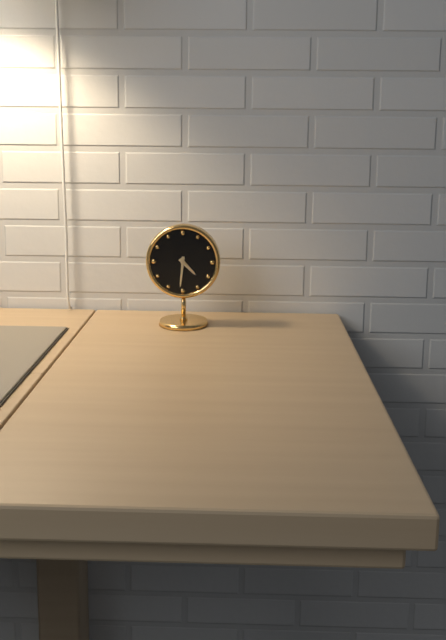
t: 4:31
